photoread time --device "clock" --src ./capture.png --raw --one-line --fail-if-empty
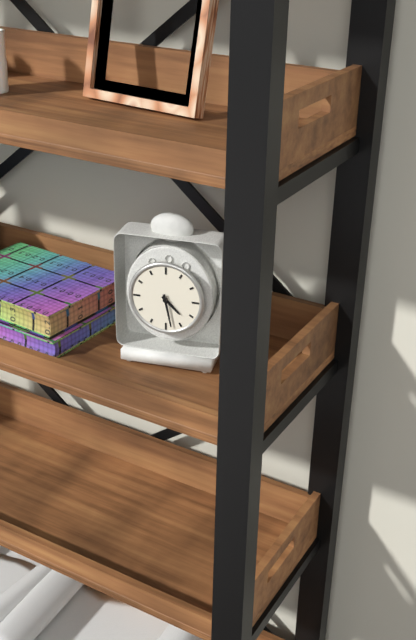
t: 4:28
